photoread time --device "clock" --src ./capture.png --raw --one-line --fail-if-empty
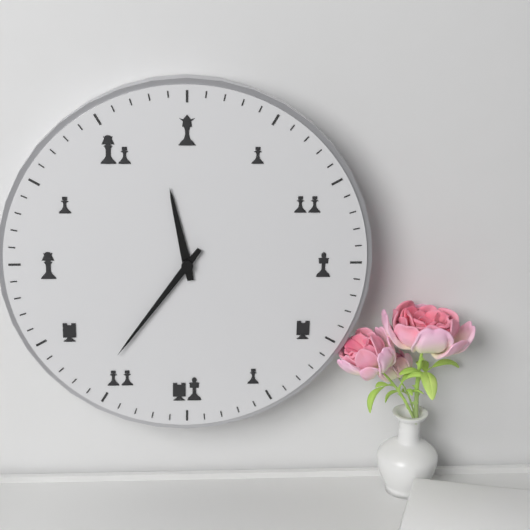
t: 11:36
